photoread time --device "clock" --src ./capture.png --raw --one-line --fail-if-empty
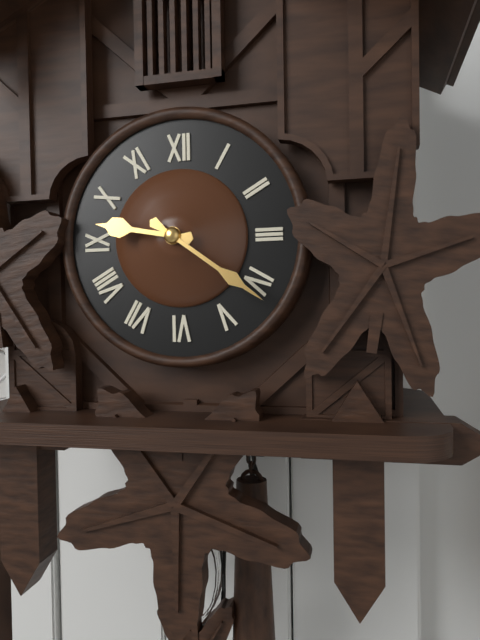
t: 9:21
